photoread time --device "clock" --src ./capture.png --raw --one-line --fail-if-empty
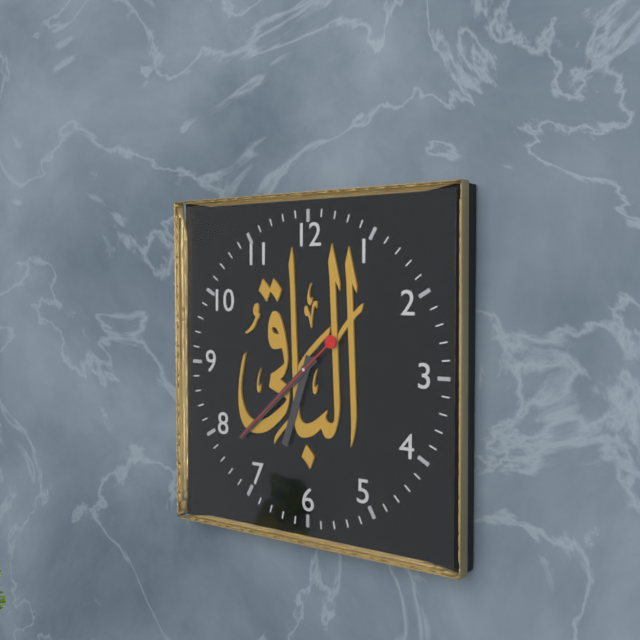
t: 6:38:38
